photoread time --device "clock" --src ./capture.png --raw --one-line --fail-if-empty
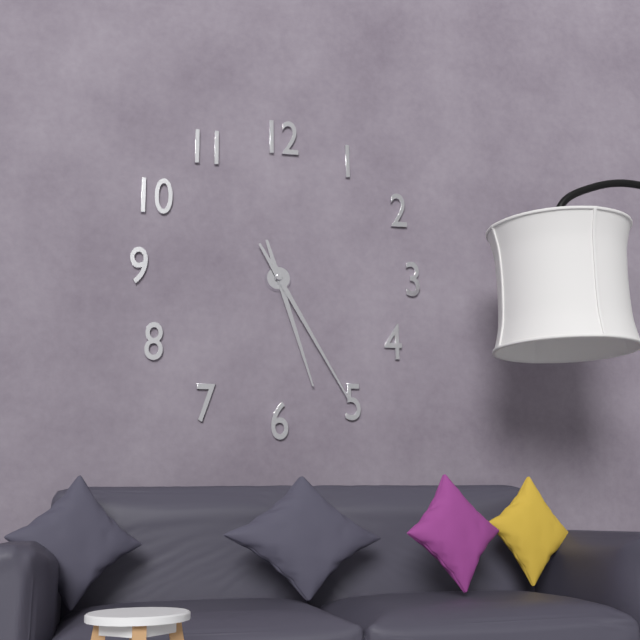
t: 5:25
